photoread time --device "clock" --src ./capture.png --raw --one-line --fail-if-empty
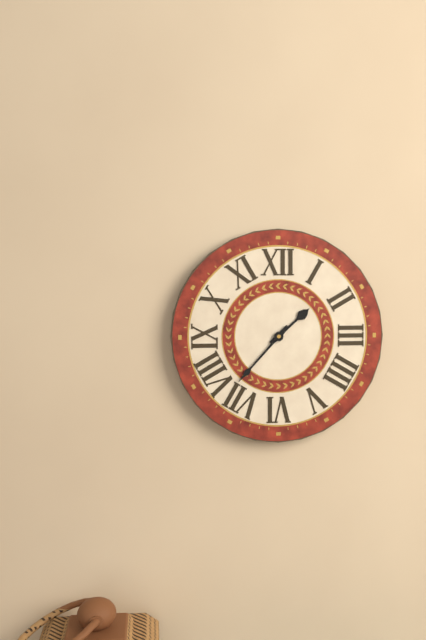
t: 1:37
